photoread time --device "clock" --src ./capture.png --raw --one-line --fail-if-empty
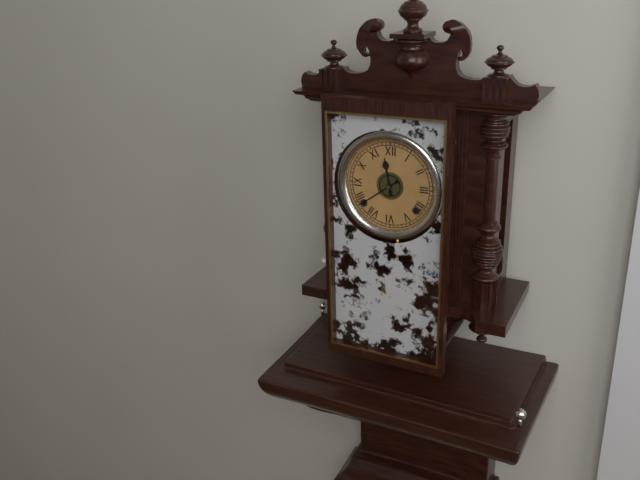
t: 11:39
